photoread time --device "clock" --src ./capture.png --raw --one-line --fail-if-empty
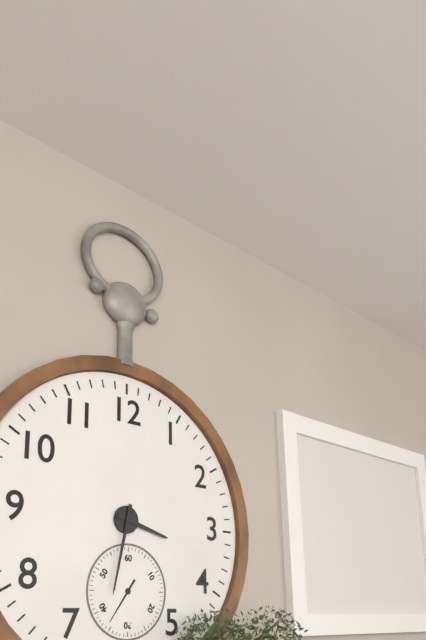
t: 3:32
